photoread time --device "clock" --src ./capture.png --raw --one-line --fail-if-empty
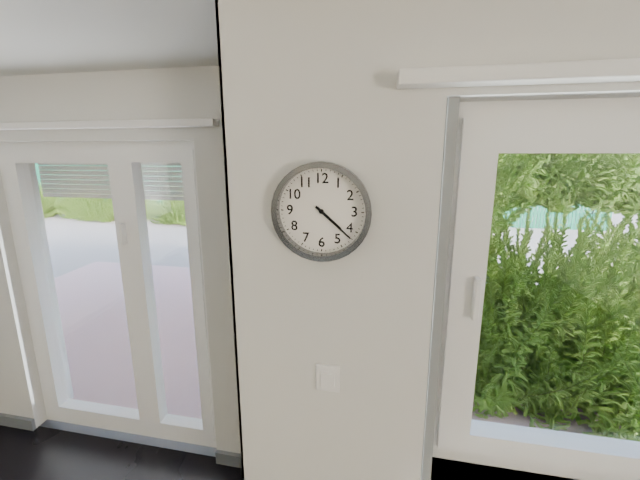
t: 4:22
